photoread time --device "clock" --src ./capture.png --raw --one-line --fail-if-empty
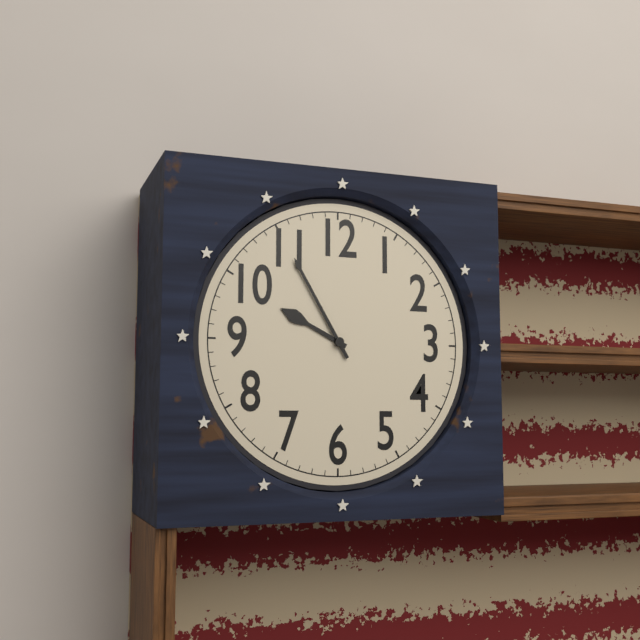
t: 9:55
